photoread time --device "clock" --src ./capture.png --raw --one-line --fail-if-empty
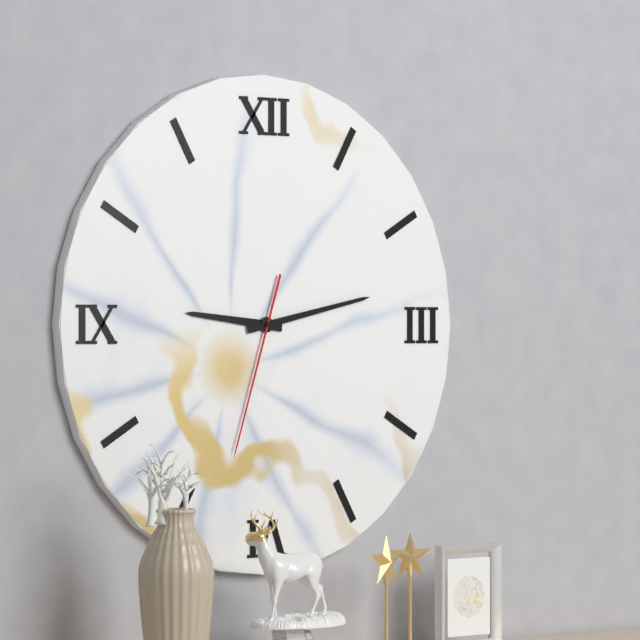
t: 9:13:33
